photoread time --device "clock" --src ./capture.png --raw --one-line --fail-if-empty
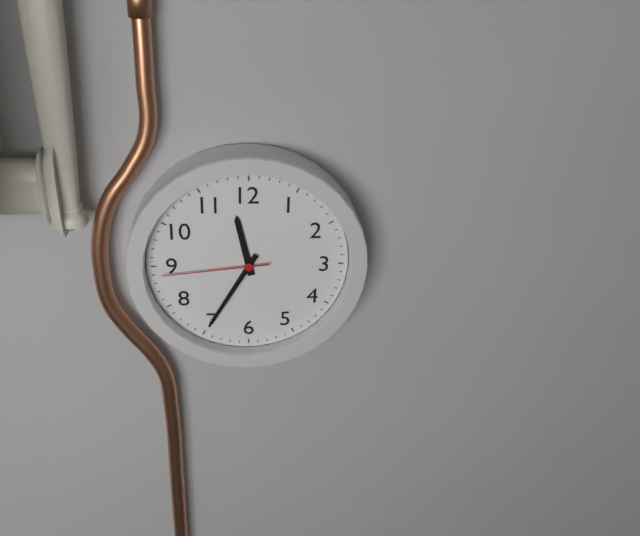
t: 11:35:44
